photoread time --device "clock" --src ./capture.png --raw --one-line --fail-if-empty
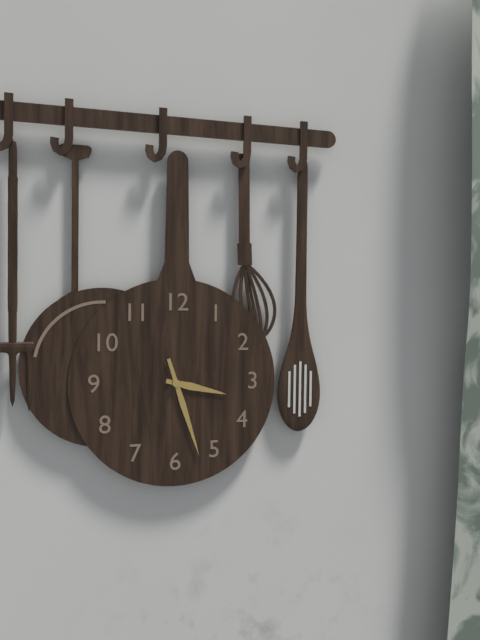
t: 3:27
